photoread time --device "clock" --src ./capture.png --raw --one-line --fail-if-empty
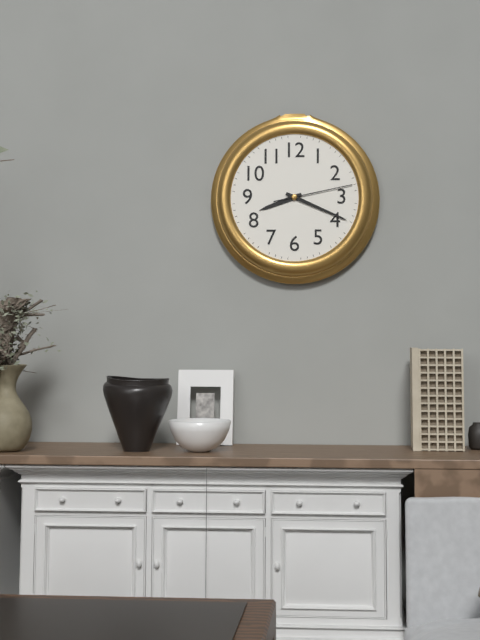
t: 8:19:13
